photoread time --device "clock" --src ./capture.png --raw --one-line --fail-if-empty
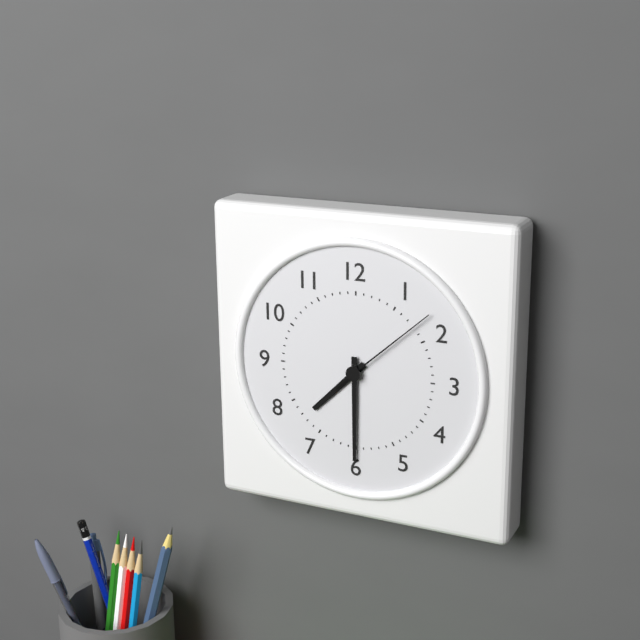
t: 7:30:08
